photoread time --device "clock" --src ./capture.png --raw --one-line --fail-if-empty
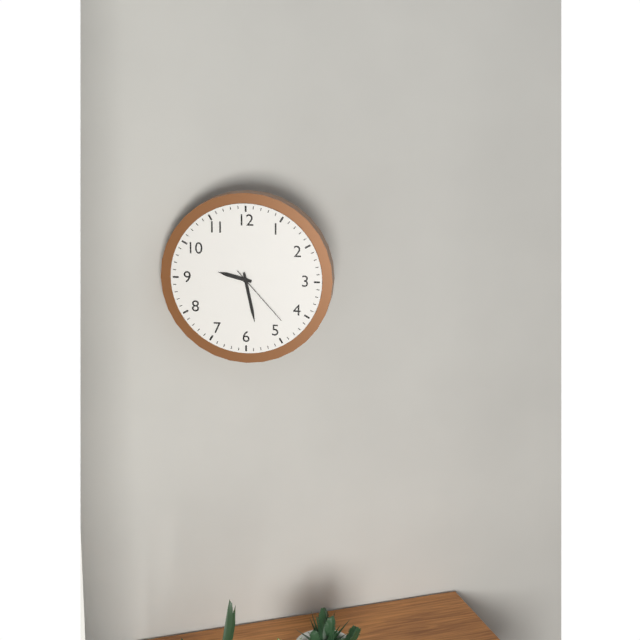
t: 9:28:23
